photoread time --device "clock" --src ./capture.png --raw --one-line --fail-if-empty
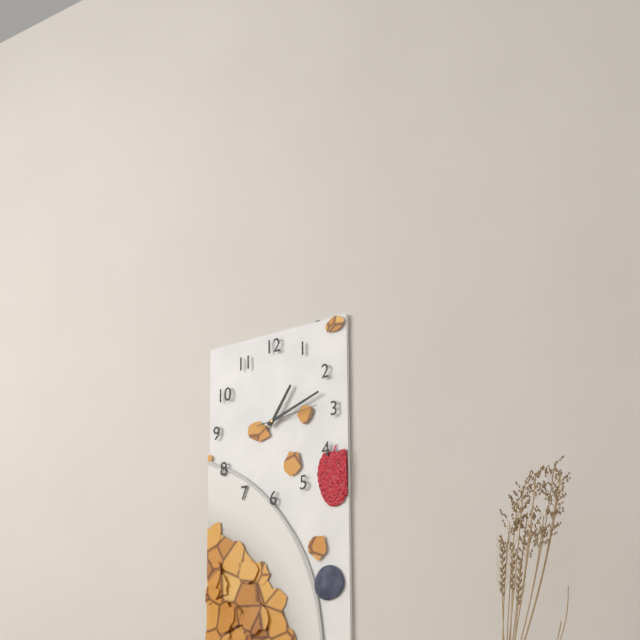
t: 1:12:14
